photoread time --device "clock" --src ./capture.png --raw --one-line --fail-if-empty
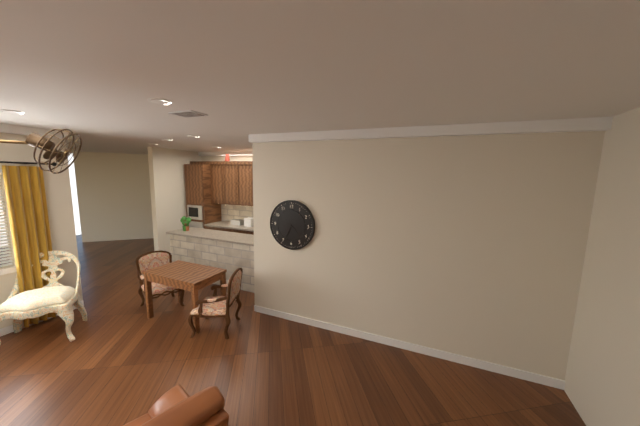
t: 4:34
